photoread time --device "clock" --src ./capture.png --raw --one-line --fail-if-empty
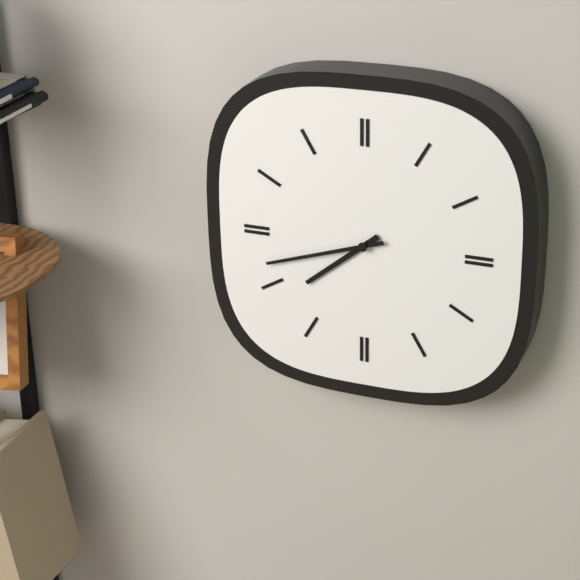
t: 7:42
